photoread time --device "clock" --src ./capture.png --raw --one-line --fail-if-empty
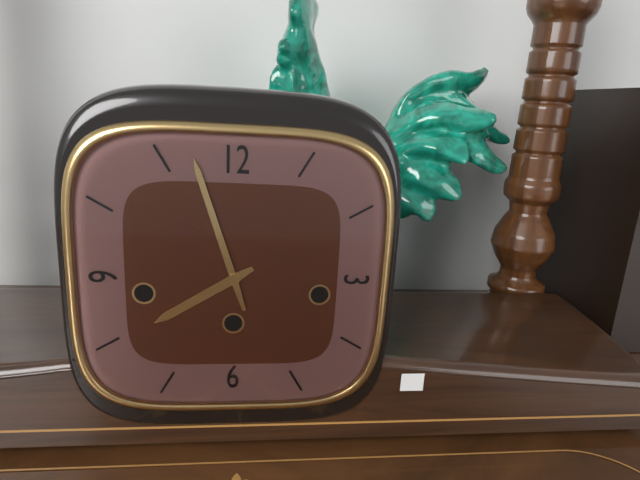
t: 7:57
